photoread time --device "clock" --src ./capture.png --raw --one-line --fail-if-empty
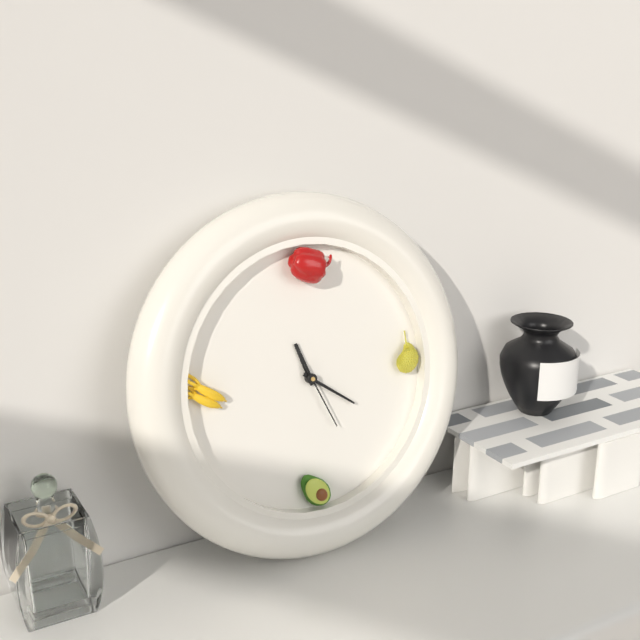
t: 11:21:26
